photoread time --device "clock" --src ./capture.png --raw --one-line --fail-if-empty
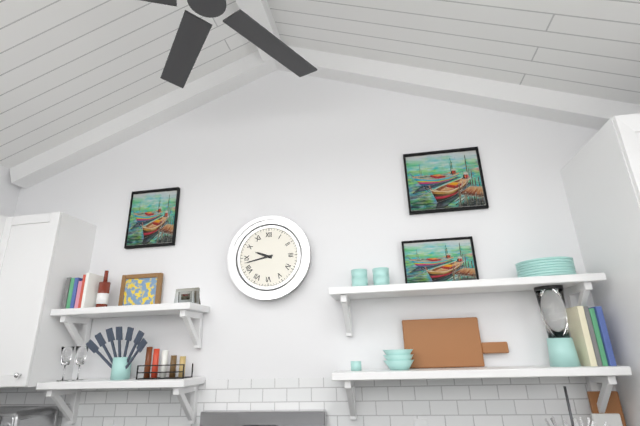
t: 9:43
